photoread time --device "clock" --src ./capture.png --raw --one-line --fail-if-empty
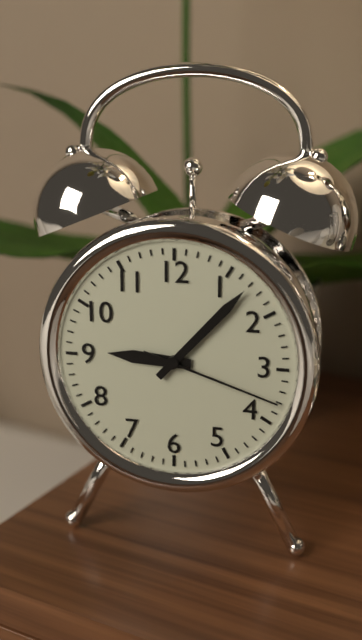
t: 9:07:18
